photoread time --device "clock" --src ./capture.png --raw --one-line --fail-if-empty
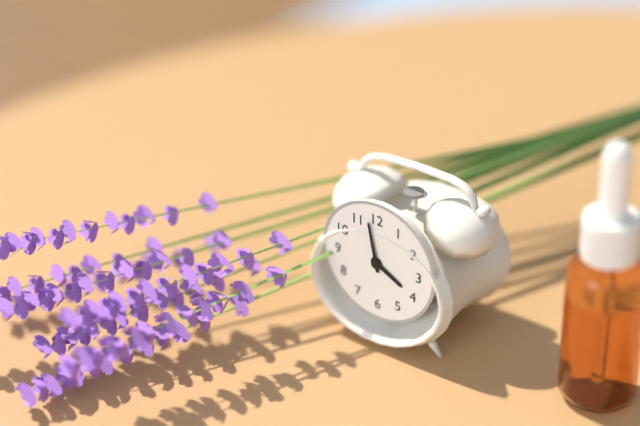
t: 3:58
